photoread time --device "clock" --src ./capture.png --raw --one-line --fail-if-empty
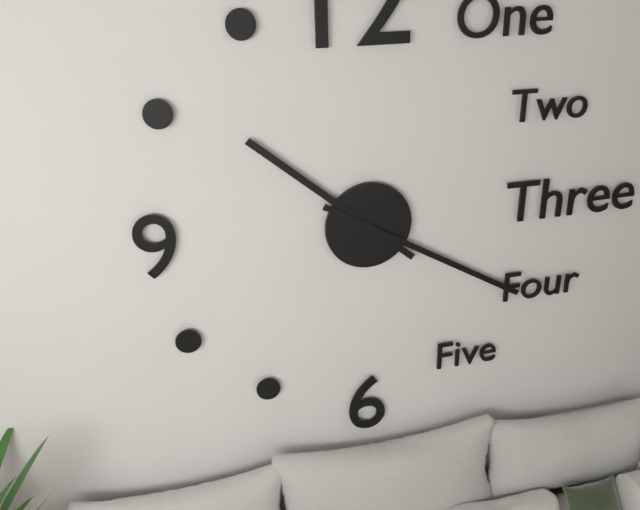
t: 10:20
